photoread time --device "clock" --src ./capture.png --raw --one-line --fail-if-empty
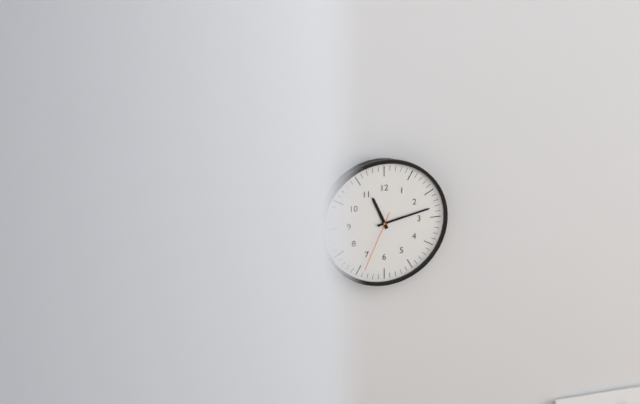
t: 11:13:34
